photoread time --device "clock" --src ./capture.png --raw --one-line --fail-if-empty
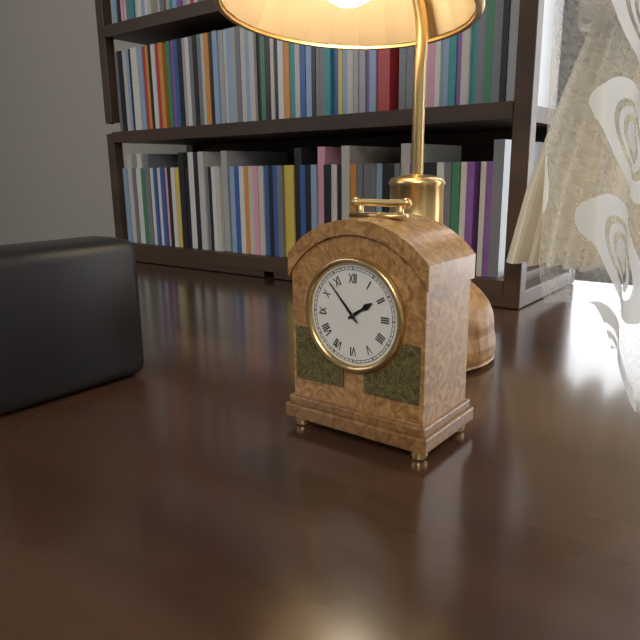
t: 1:53
